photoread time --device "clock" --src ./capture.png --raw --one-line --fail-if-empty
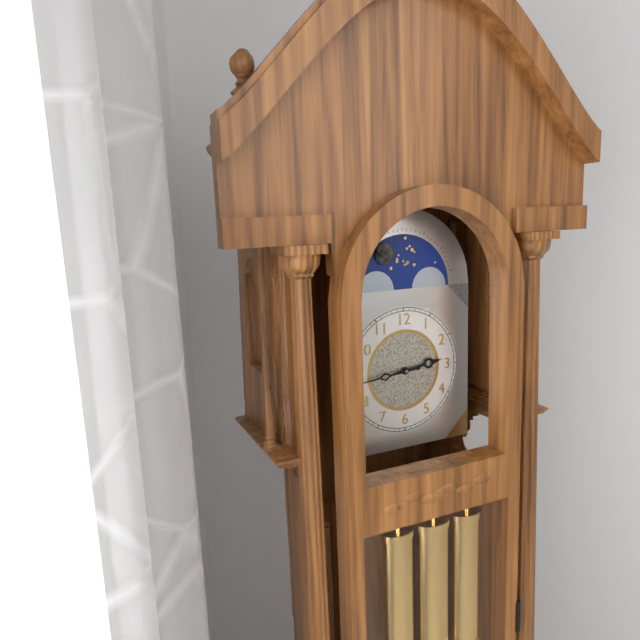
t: 2:44
